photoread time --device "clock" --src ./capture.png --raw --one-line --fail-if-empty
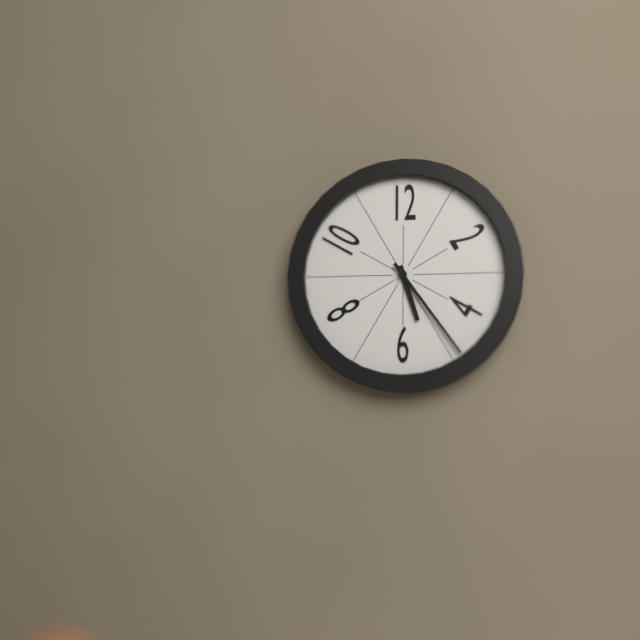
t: 5:24
